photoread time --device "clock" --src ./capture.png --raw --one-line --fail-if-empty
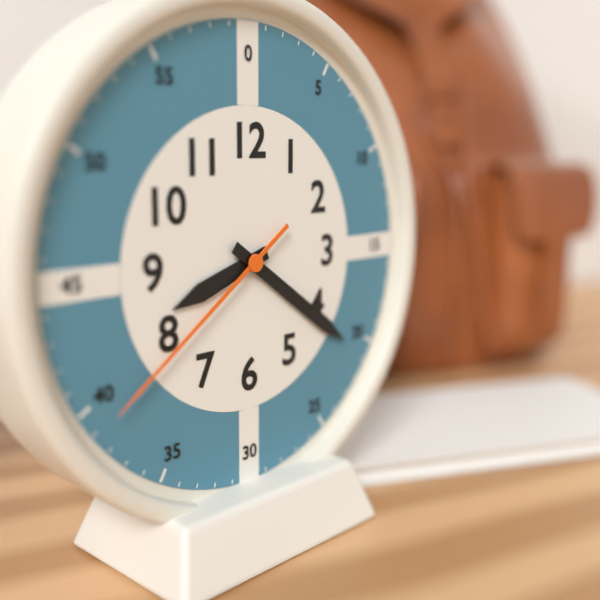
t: 8:21:39
